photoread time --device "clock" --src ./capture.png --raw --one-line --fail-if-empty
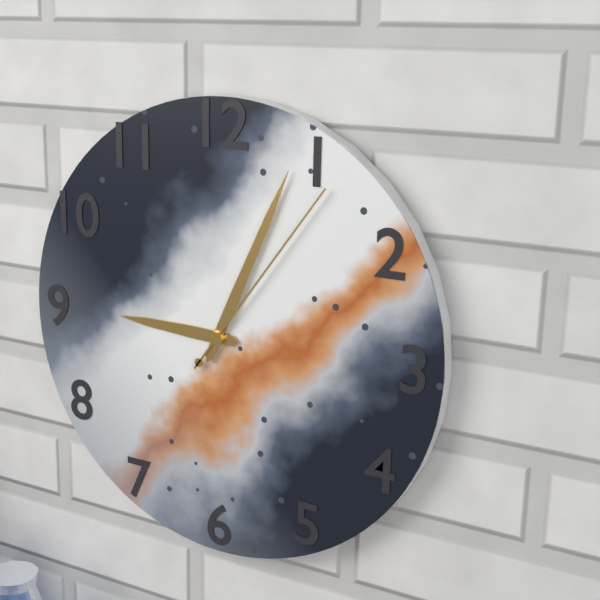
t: 9:04:06
